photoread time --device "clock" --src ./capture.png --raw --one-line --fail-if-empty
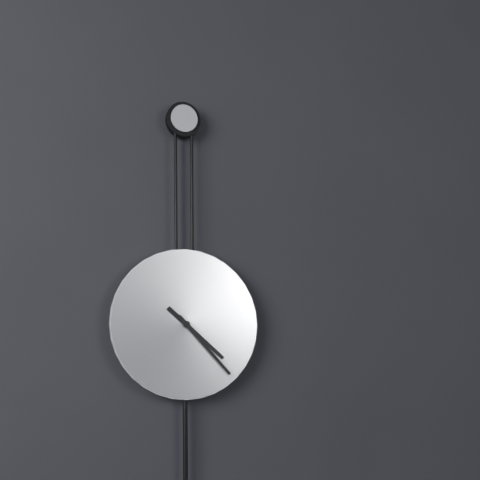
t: 4:23
